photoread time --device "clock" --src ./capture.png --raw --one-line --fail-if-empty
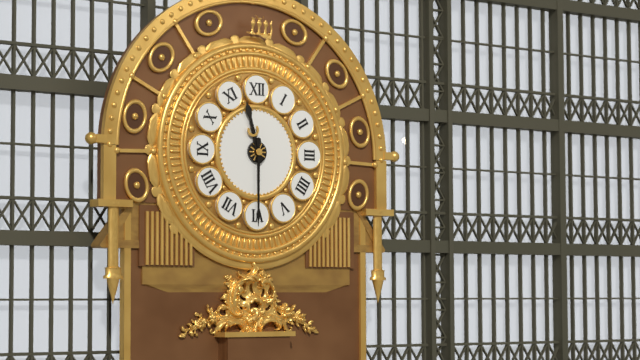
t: 11:30
